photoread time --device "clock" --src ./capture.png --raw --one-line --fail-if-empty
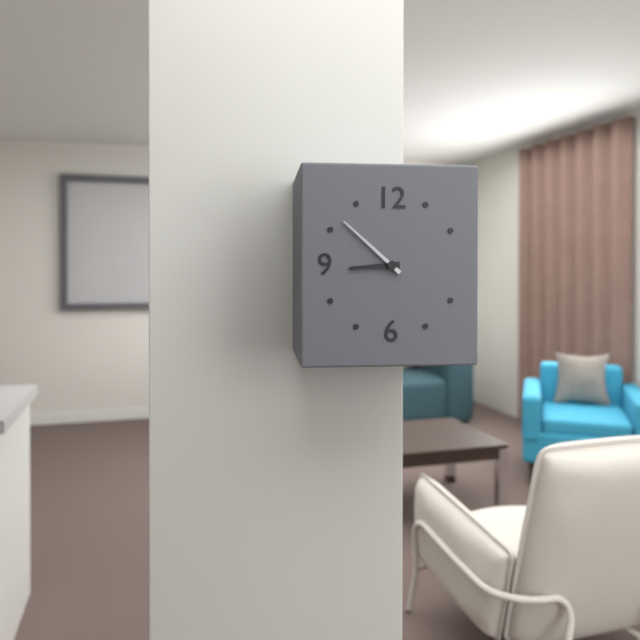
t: 8:52
